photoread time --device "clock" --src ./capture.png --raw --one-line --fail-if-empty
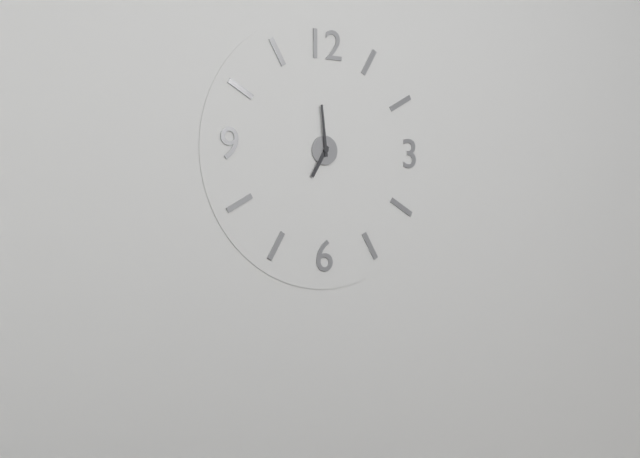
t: 6:59
